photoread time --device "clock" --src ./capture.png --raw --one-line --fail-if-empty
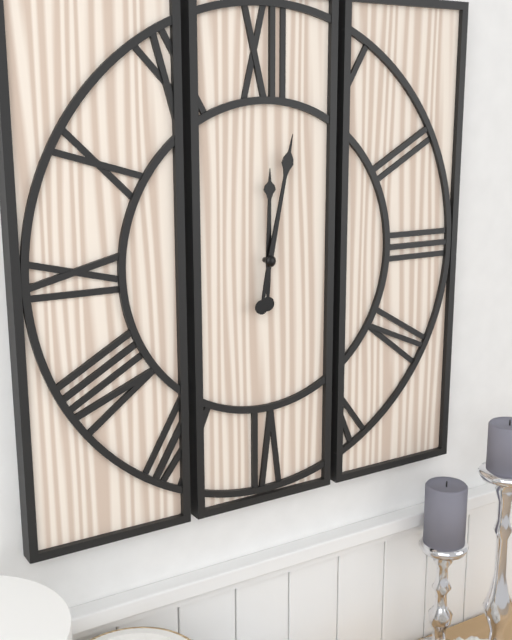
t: 12:02
